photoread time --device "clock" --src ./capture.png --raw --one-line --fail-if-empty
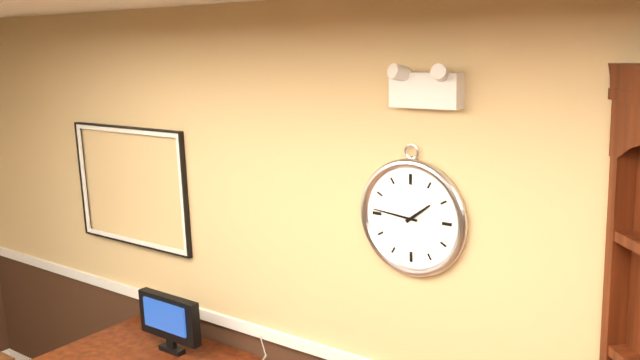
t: 1:46
